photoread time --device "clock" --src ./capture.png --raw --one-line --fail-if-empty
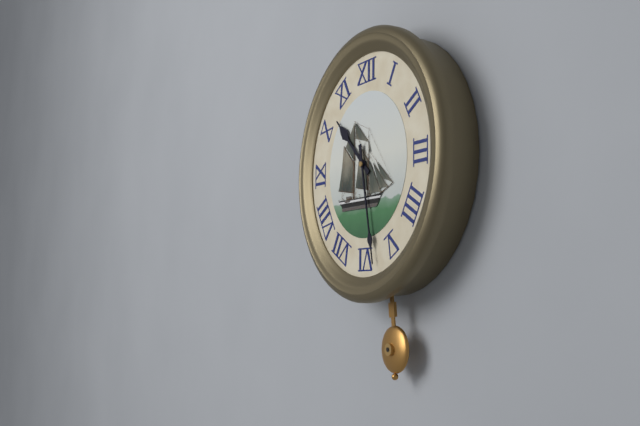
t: 10:28
